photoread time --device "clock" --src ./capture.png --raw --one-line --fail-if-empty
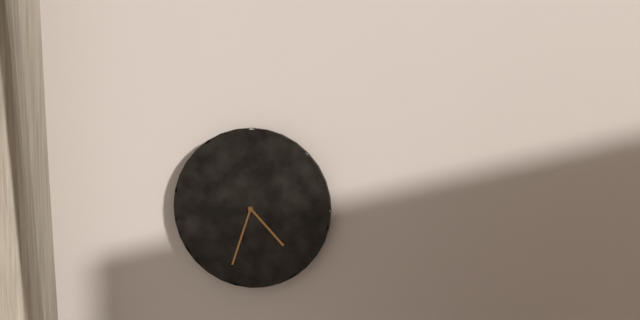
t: 4:33
